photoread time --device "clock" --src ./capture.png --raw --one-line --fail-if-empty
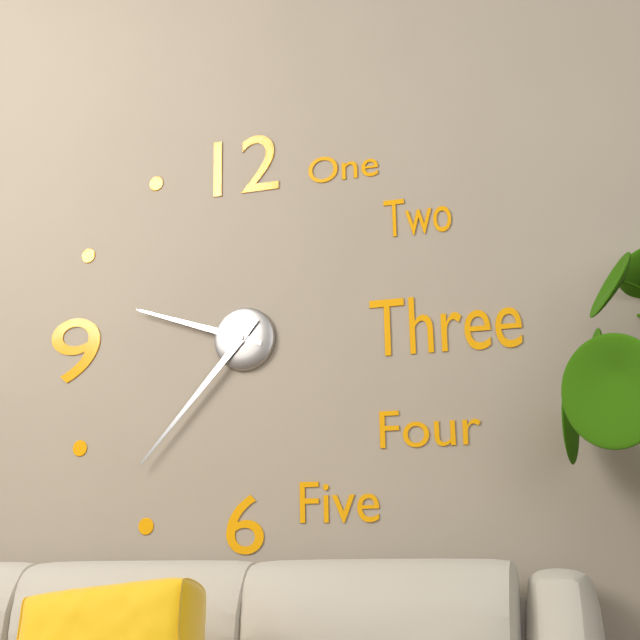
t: 9:37
